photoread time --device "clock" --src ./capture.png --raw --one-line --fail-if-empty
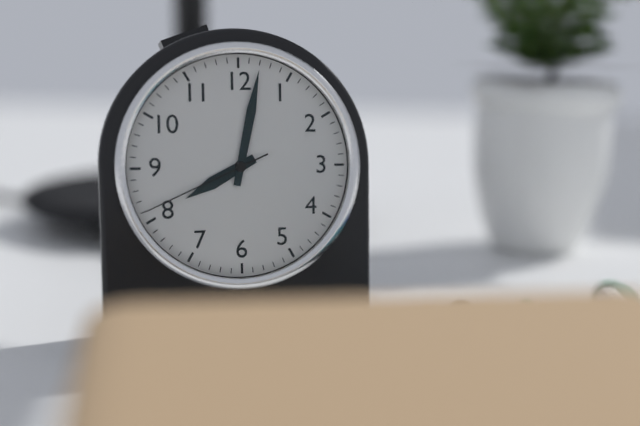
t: 8:02:41
